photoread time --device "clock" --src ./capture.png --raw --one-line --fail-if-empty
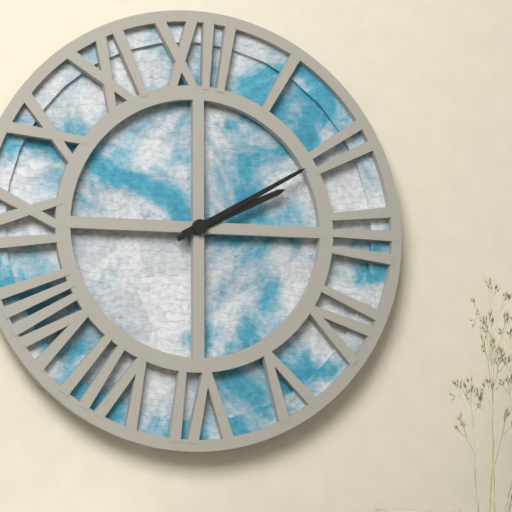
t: 2:10
